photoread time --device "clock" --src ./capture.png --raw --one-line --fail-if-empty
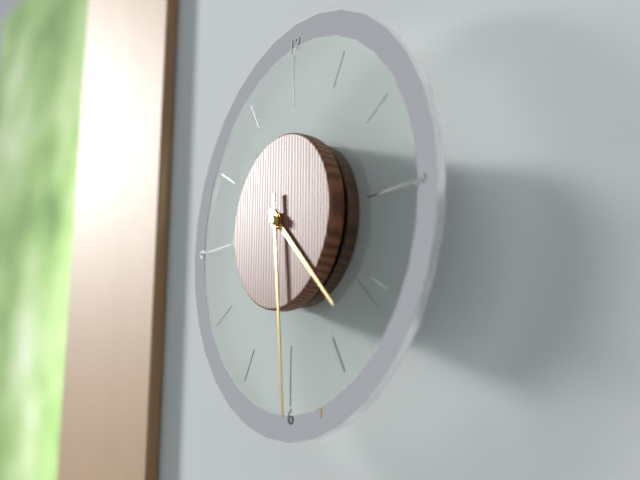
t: 4:29
